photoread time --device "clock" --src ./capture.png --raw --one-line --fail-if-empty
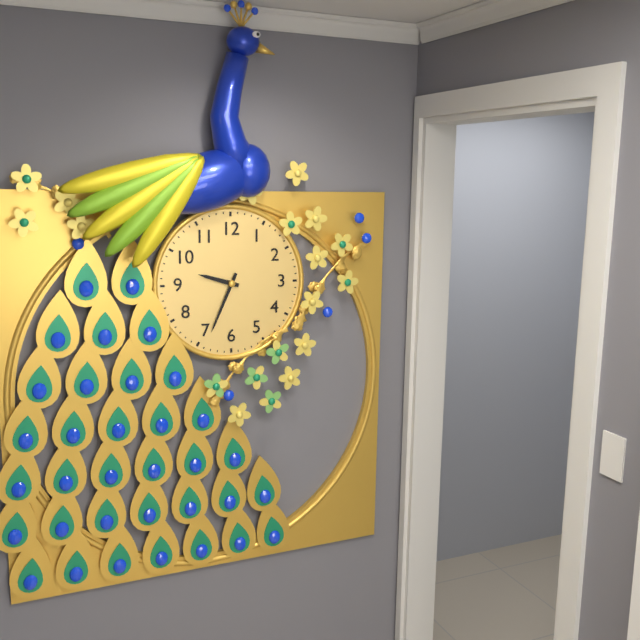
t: 9:34
